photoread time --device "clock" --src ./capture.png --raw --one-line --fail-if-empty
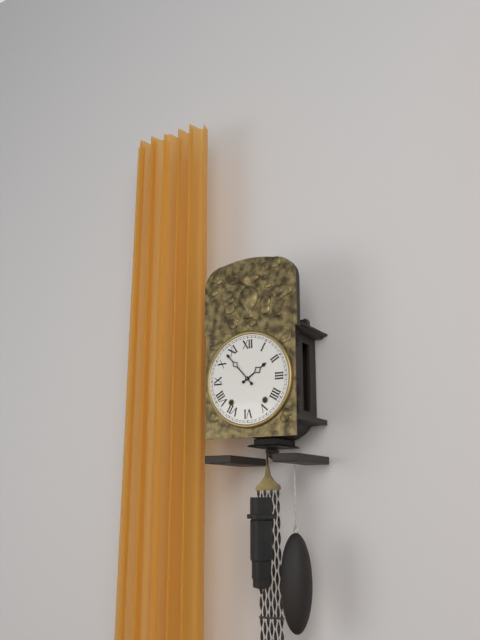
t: 1:53
